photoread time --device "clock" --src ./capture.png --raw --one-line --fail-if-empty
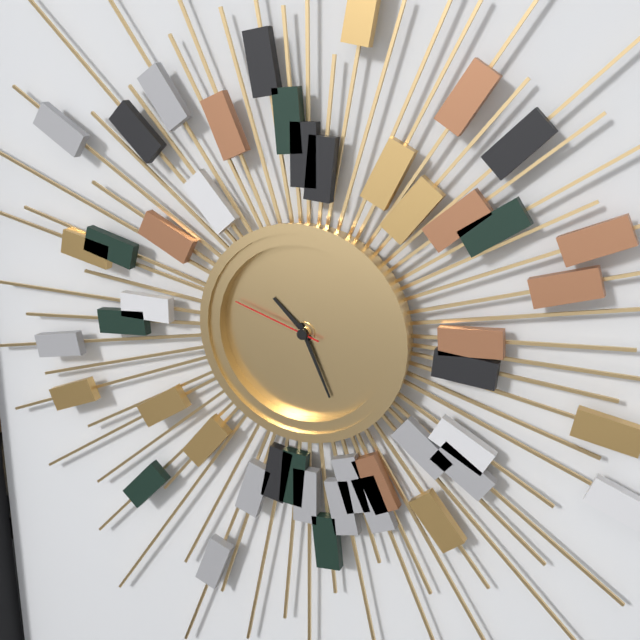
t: 10:26:48
